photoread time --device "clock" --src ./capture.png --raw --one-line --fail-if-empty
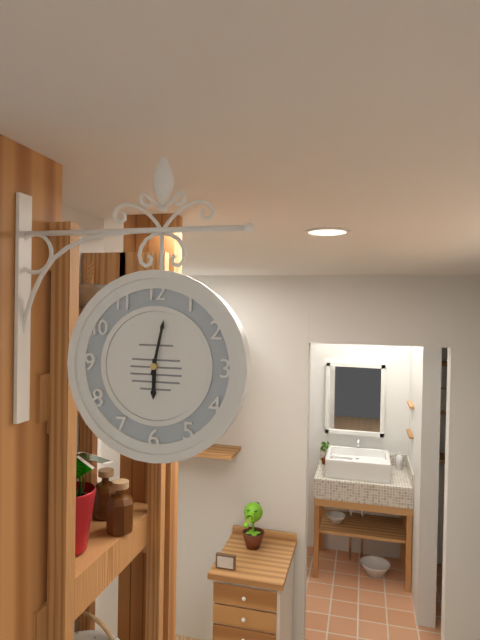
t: 6:02
